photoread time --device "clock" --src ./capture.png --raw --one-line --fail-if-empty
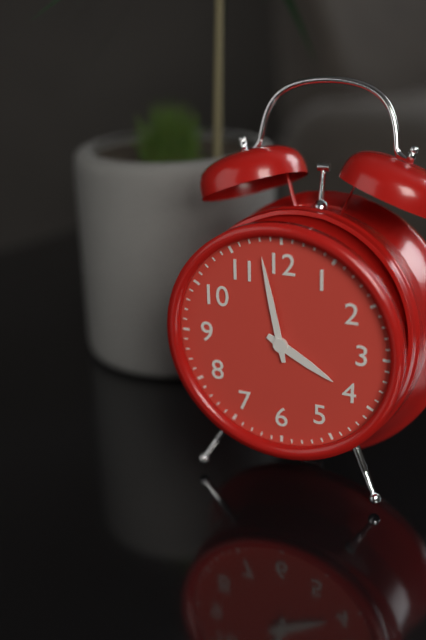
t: 3:58
